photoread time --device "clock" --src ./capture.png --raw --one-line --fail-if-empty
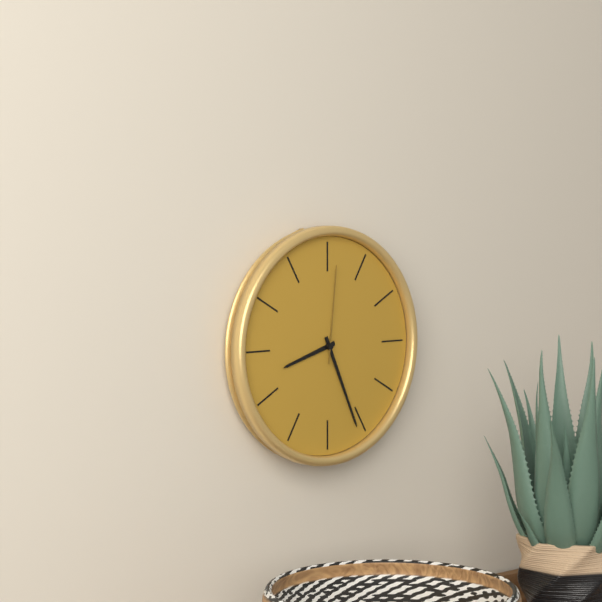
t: 8:26:01
